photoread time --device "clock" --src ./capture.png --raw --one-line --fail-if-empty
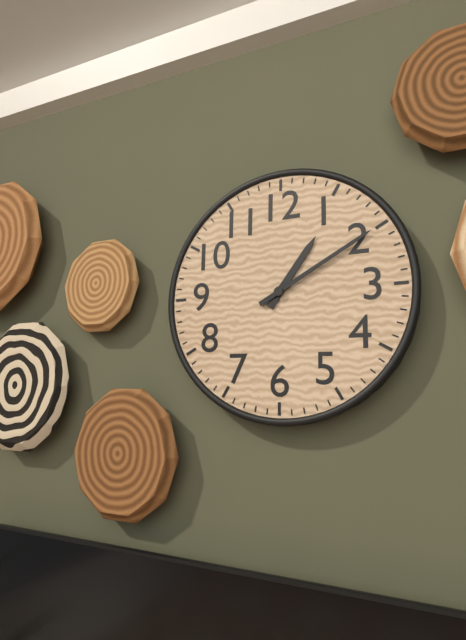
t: 1:10
